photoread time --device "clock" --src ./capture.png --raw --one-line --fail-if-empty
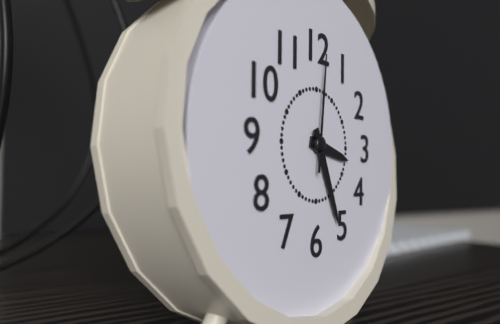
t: 3:26:01
